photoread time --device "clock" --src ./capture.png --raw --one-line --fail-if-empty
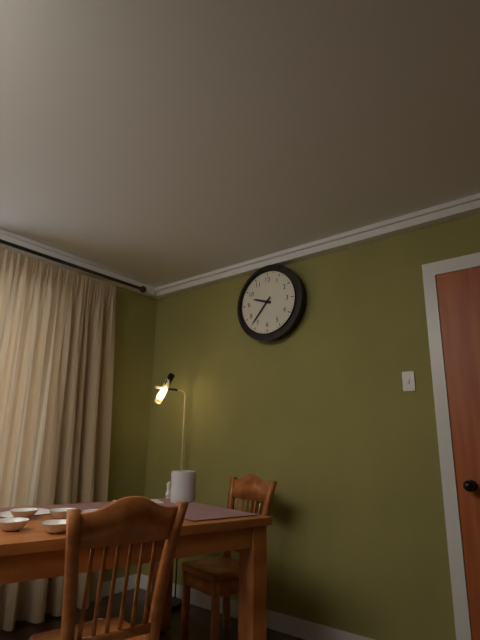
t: 9:37
